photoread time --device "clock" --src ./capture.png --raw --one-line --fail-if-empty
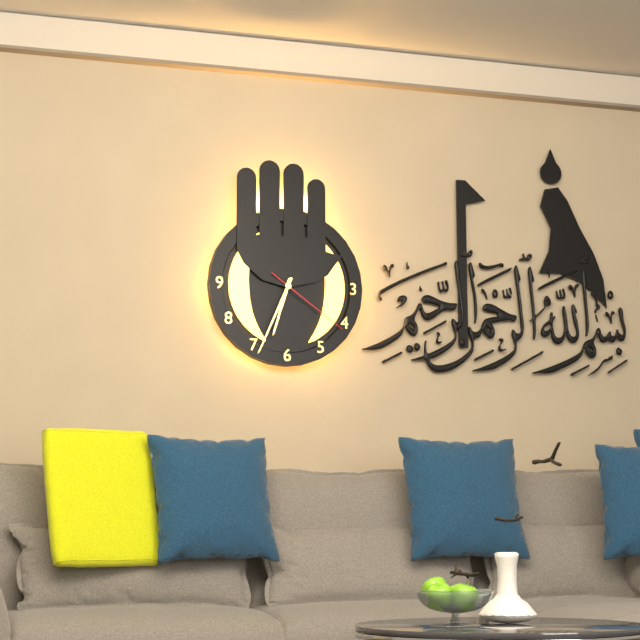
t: 6:34:21
